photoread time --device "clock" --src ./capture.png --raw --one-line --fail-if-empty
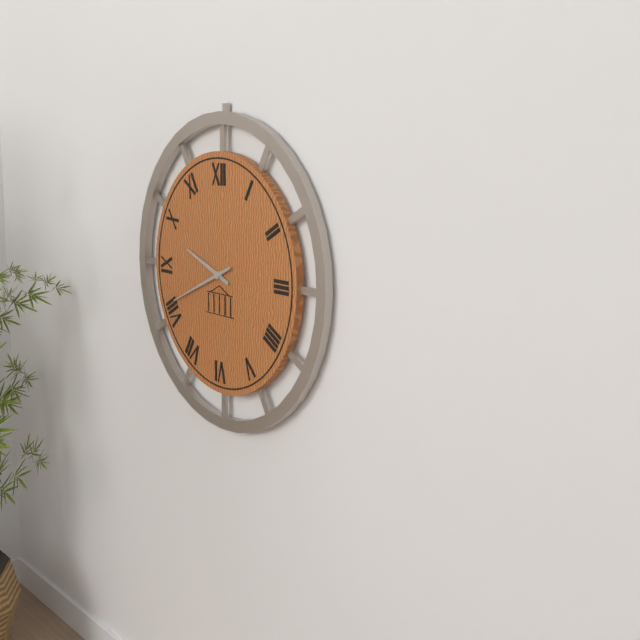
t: 9:41
